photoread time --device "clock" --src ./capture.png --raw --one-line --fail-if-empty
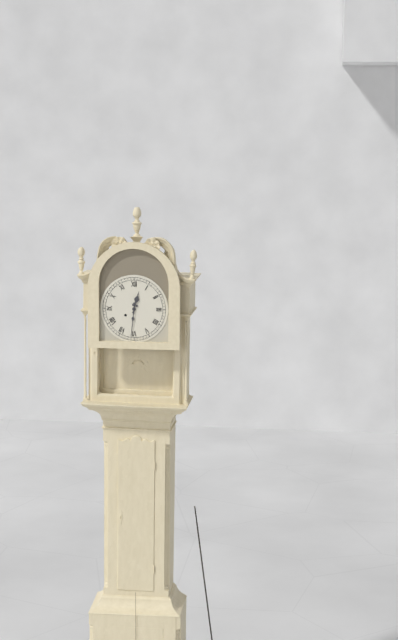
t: 12:31
